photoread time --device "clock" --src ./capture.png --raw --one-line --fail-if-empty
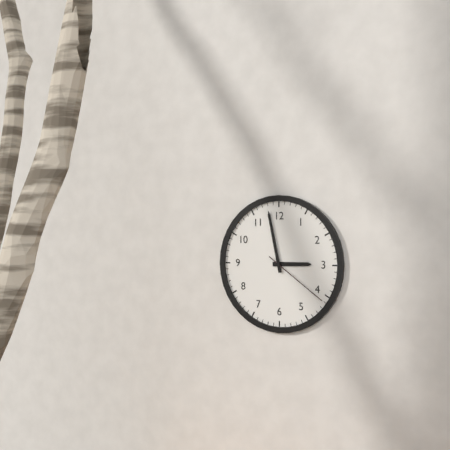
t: 2:58:21
